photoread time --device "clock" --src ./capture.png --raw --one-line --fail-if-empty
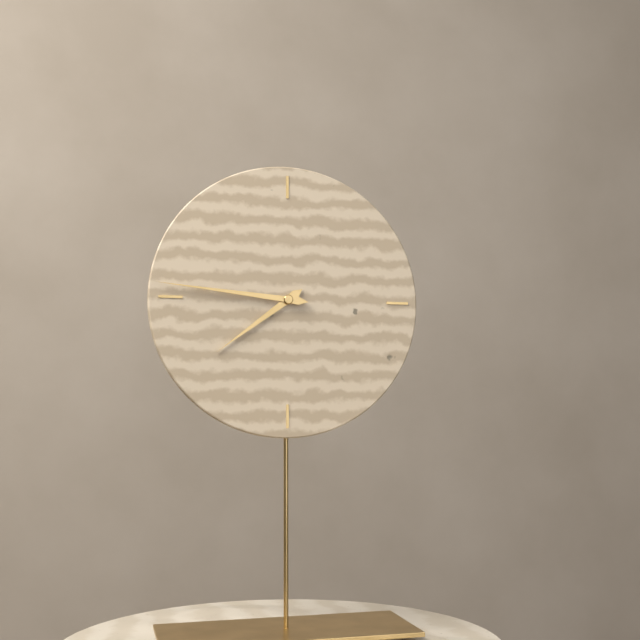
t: 7:46
